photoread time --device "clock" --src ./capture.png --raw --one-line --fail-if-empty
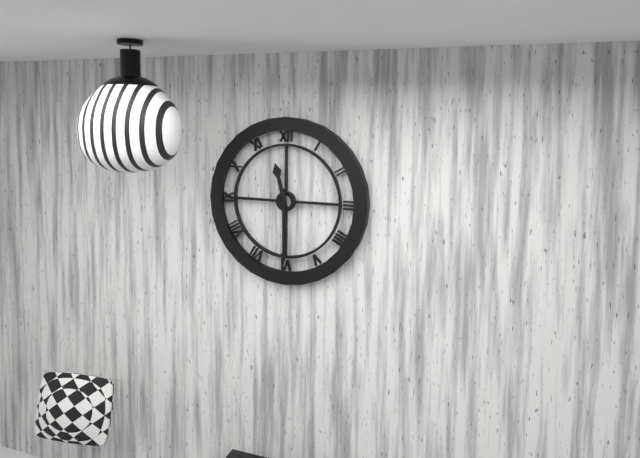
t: 11:30
